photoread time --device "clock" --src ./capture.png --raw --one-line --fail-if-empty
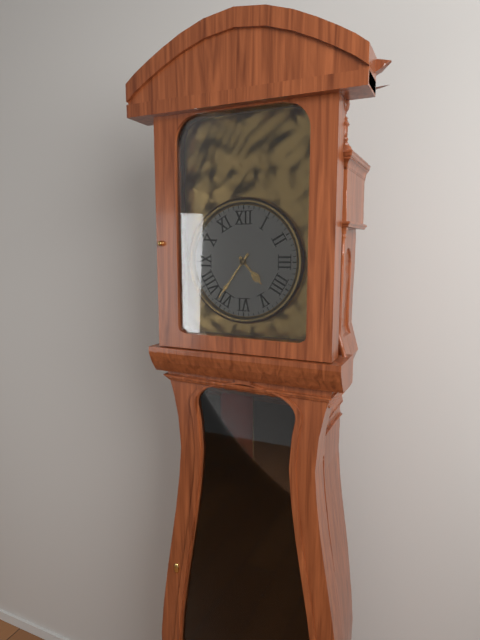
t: 4:36
